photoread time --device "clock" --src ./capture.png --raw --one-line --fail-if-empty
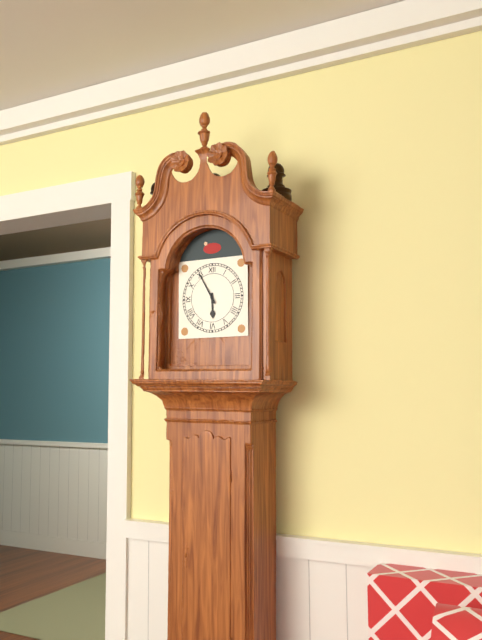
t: 5:55
